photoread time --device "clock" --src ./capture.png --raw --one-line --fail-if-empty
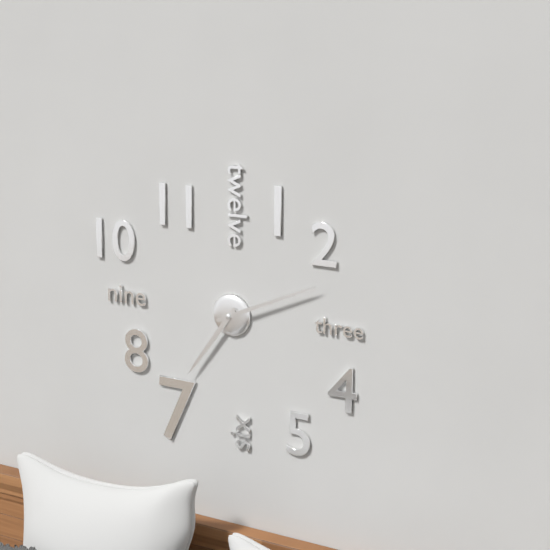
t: 7:11
